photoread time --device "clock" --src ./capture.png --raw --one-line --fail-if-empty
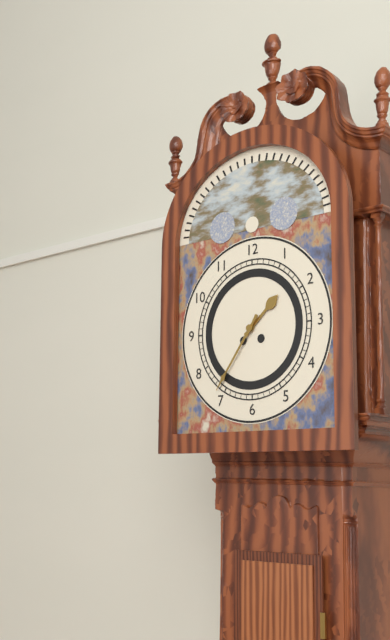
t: 1:36
